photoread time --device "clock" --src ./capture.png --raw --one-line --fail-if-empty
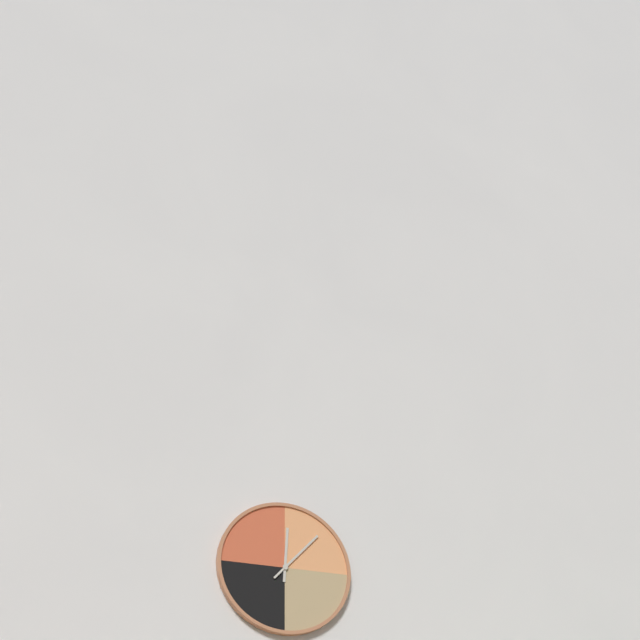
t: 12:07
